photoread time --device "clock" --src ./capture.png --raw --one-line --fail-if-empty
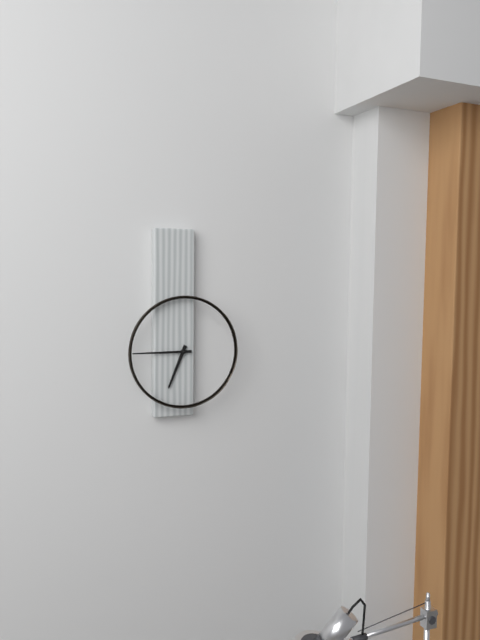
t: 6:45
